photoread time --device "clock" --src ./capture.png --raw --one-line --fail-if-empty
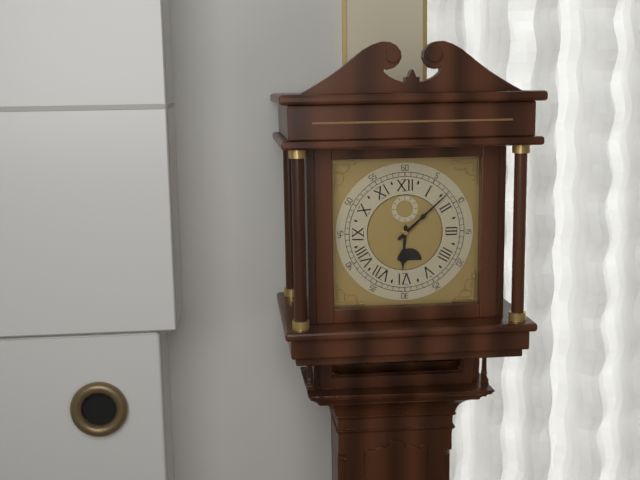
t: 6:08
